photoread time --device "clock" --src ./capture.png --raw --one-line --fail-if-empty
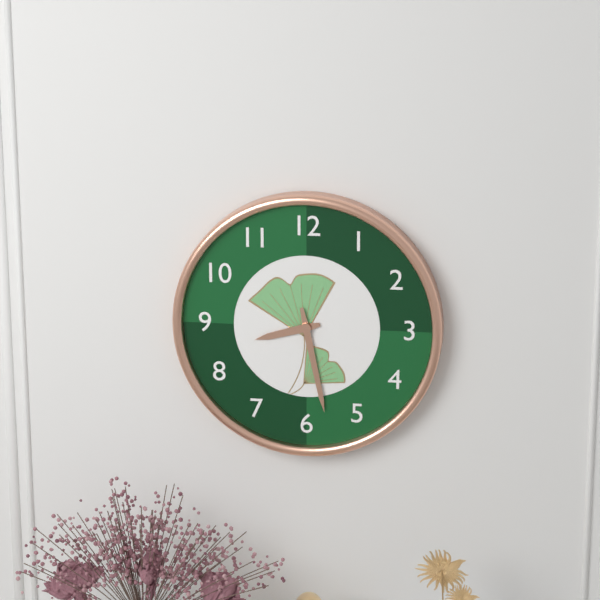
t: 8:28
